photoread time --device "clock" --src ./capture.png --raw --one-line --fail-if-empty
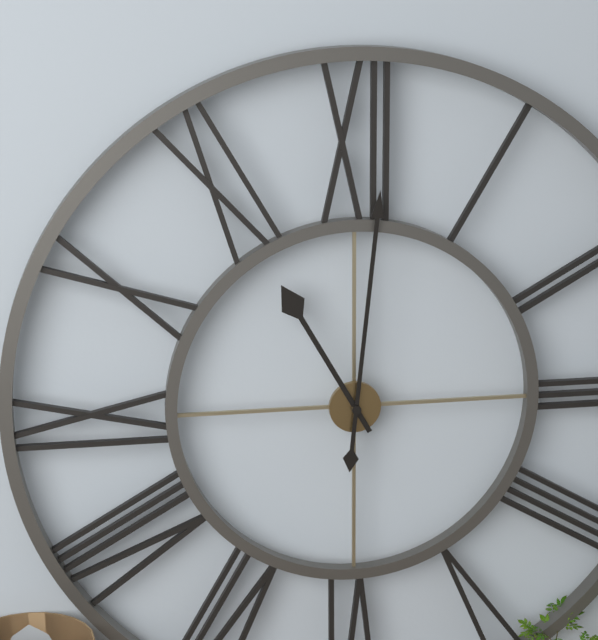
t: 11:01
